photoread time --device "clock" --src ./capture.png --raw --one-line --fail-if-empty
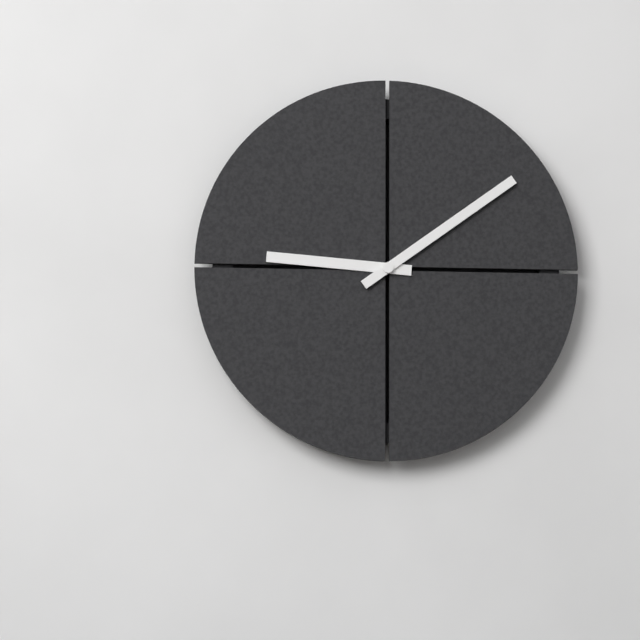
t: 9:09
